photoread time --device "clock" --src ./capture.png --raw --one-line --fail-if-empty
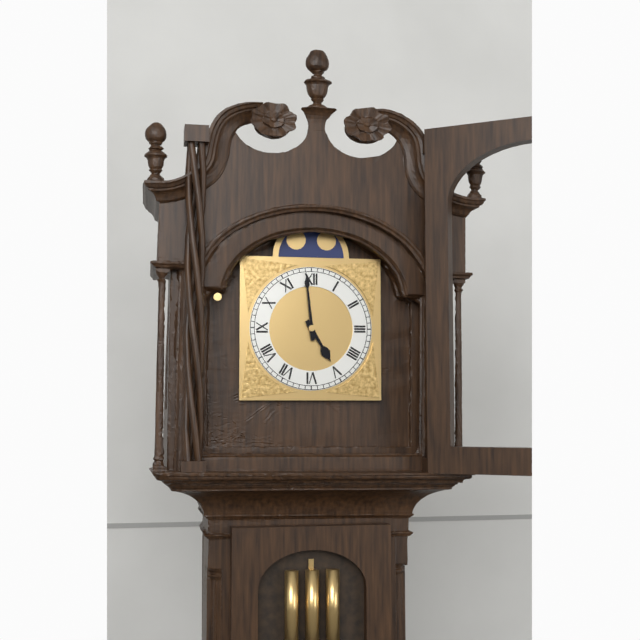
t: 4:59
